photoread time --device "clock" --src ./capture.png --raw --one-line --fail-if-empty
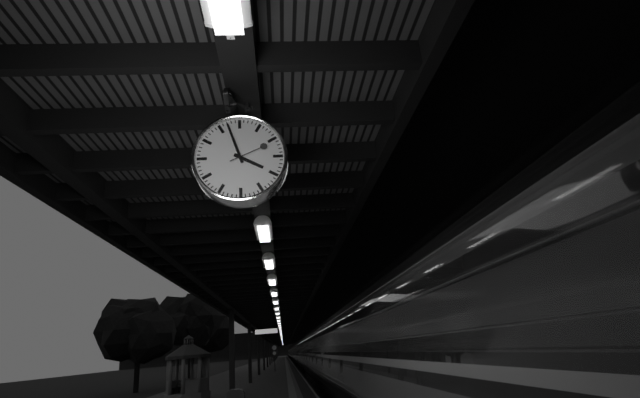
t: 3:57
